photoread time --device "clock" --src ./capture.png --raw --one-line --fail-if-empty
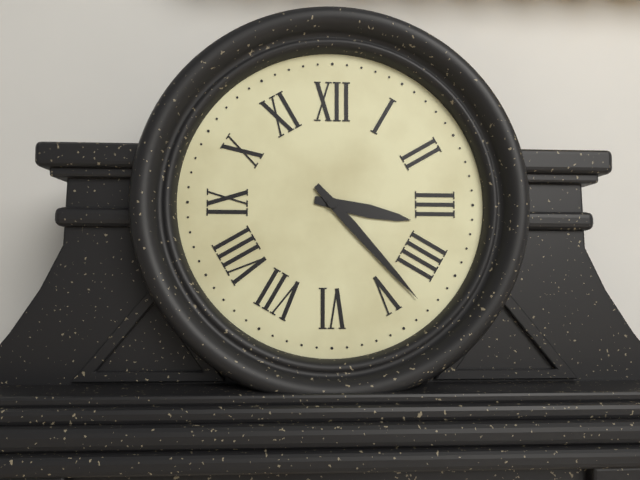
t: 3:23
